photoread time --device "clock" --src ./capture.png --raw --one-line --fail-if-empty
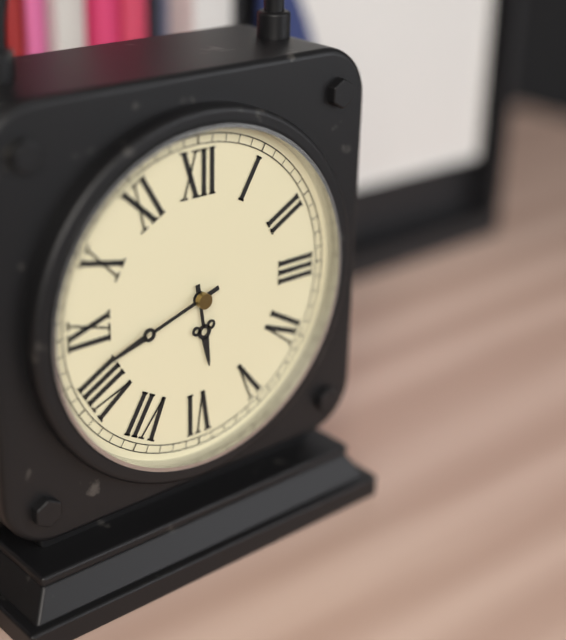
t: 5:42
